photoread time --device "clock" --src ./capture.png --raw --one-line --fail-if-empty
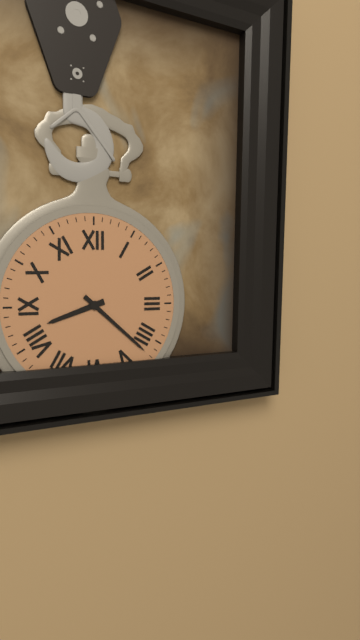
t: 8:22
